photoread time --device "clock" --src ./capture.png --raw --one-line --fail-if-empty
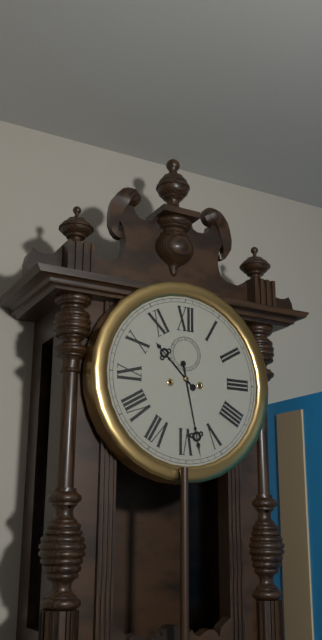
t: 10:28
